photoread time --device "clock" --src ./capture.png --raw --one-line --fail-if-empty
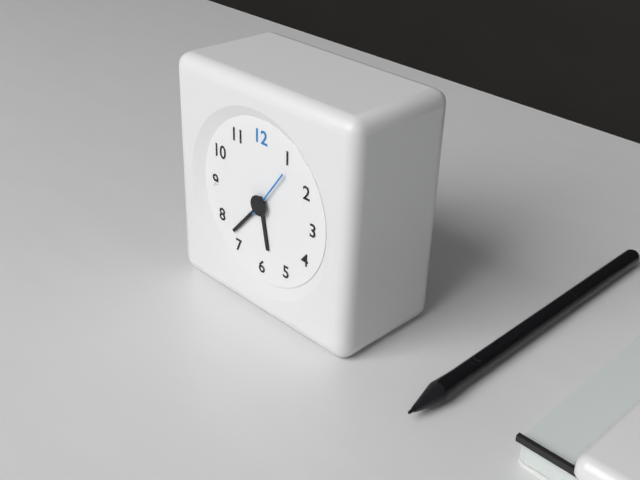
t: 5:37
